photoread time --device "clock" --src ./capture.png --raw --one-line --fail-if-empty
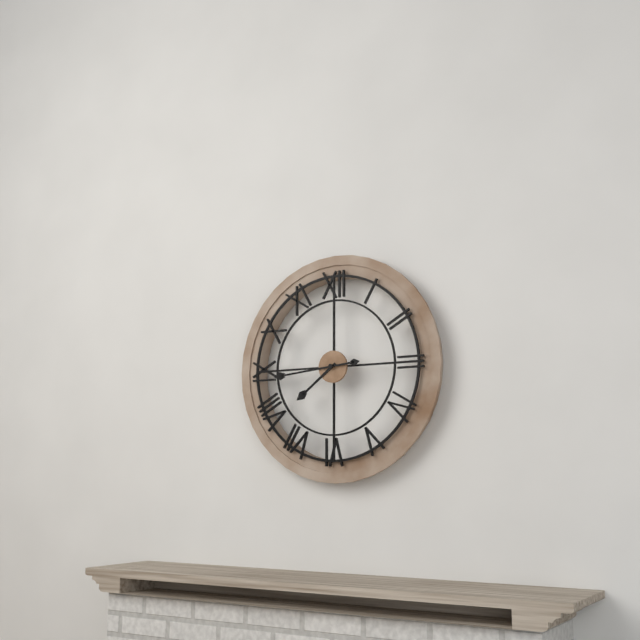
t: 7:44
